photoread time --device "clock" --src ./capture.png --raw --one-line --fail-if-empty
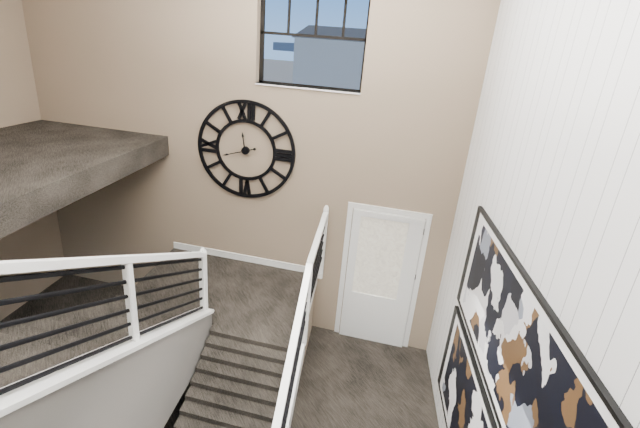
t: 11:42
